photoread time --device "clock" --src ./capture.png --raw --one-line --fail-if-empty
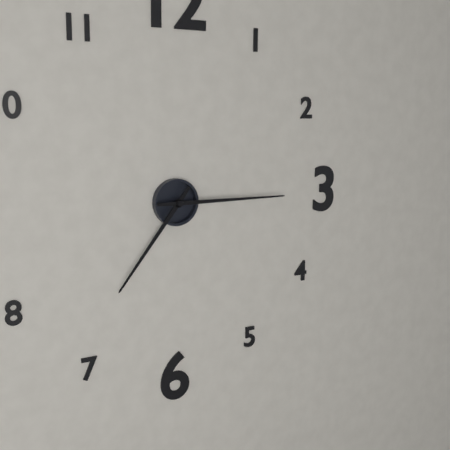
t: 7:15
